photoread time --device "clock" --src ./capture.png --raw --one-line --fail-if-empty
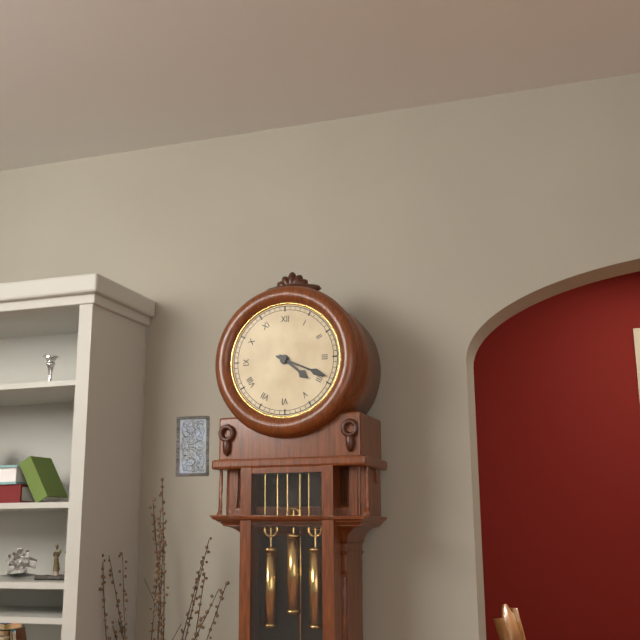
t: 4:19
